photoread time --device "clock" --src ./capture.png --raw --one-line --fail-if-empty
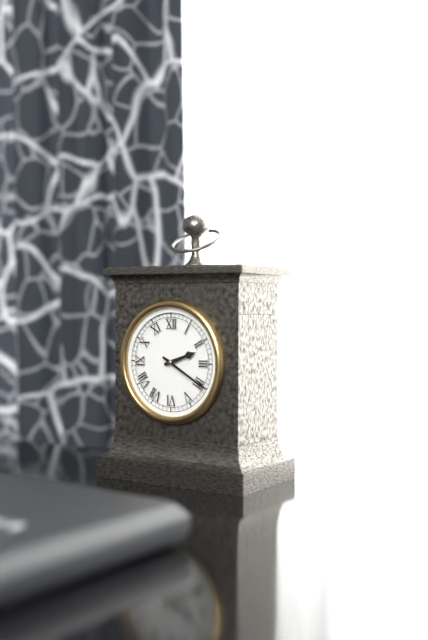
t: 2:20
